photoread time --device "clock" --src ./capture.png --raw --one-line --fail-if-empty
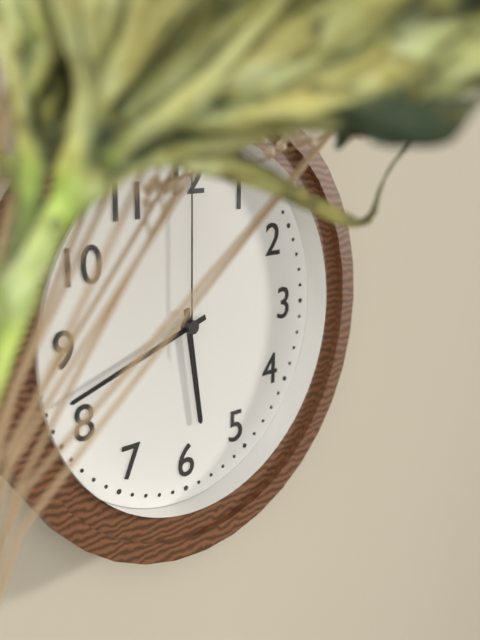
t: 5:42:00
